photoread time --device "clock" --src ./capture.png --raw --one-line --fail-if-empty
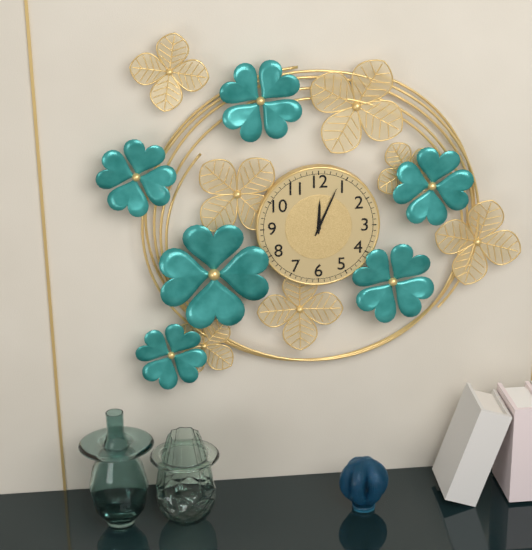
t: 12:04
